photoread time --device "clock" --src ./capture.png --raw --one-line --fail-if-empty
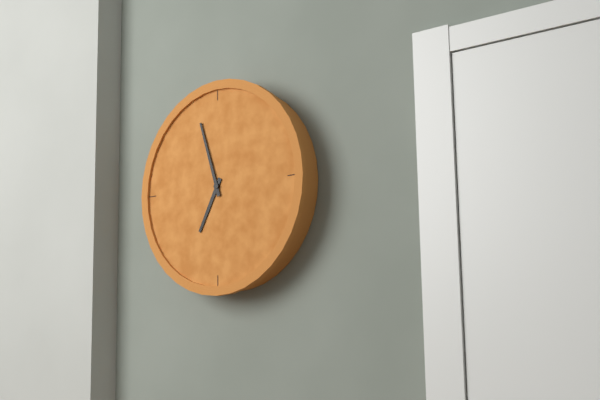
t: 6:57
